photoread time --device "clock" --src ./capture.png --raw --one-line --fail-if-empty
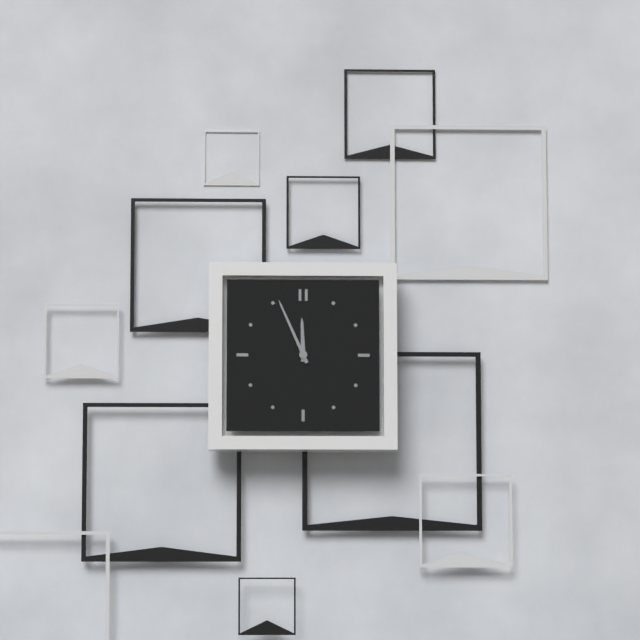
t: 11:56
